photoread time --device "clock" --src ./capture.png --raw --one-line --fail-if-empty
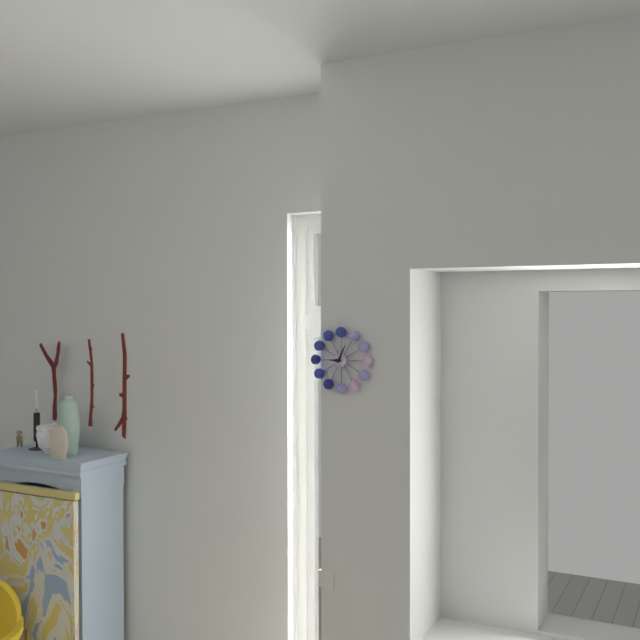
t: 9:04
